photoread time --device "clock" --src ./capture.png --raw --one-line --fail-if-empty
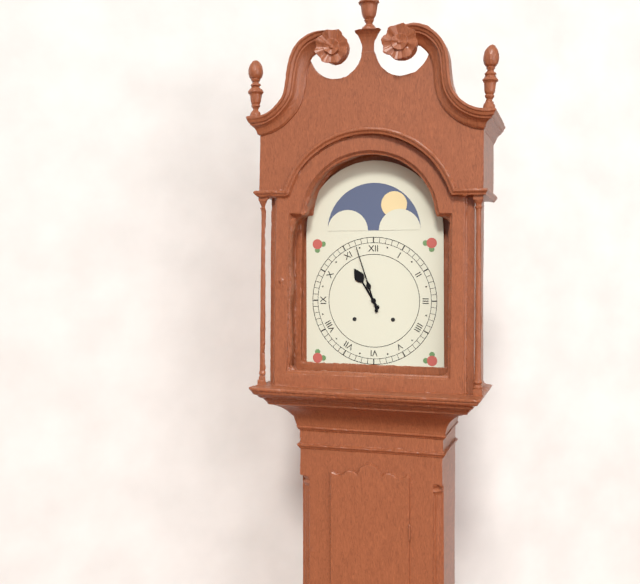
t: 10:57
